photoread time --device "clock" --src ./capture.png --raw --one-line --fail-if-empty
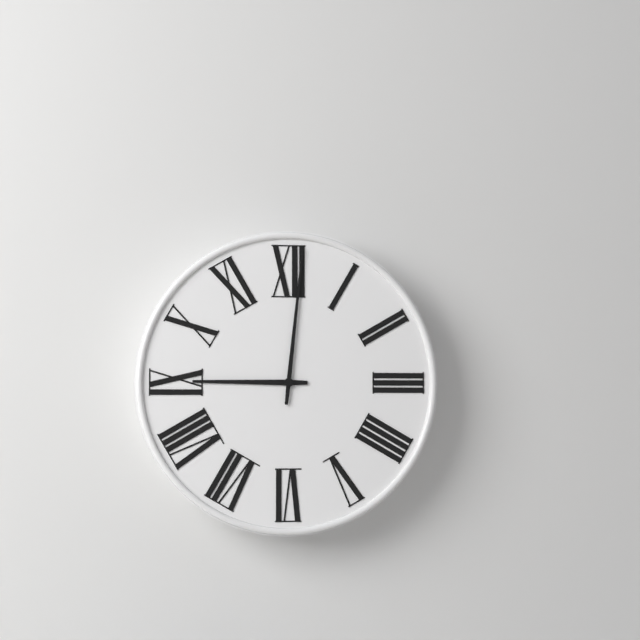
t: 9:01
